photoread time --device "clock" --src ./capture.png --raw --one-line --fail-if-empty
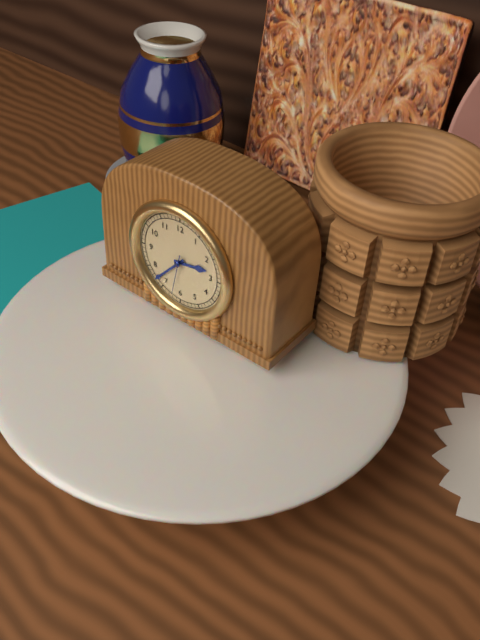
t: 2:37
